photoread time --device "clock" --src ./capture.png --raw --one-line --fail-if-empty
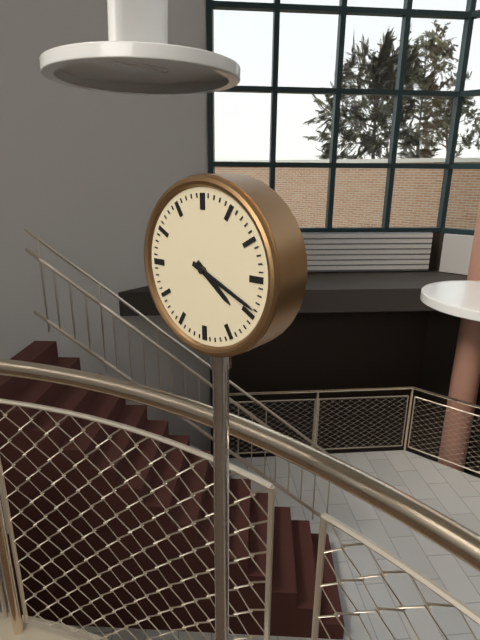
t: 4:19
